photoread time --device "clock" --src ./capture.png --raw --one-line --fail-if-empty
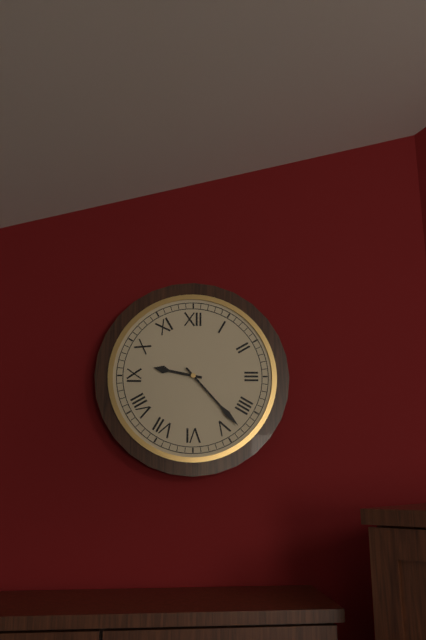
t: 9:23
